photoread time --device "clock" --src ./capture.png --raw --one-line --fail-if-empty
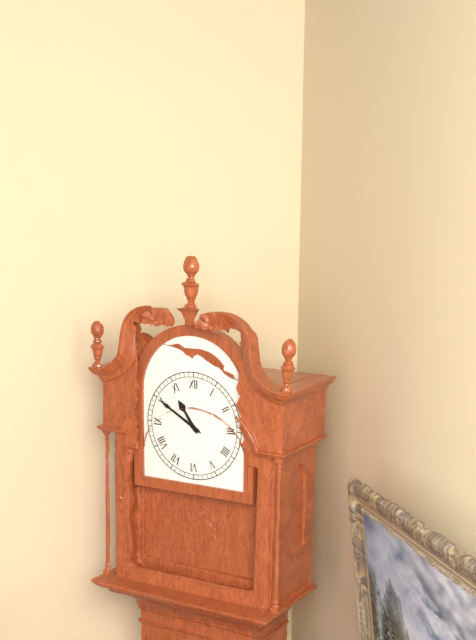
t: 10:50
